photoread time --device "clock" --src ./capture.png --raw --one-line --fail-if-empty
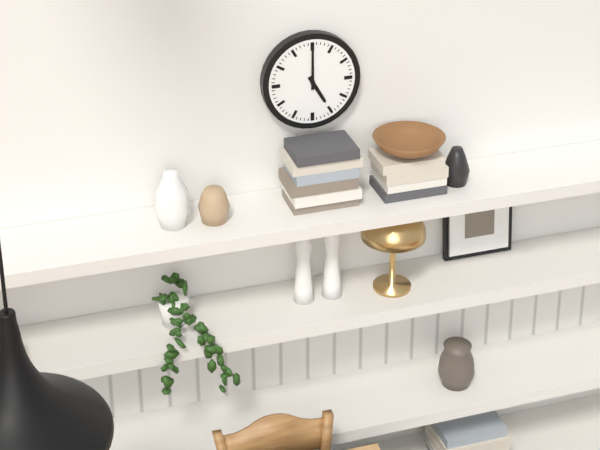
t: 5:00
